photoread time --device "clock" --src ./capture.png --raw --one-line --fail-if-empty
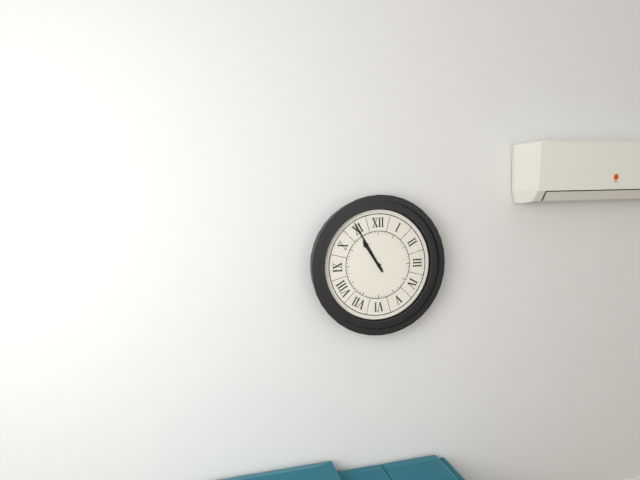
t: 10:55
